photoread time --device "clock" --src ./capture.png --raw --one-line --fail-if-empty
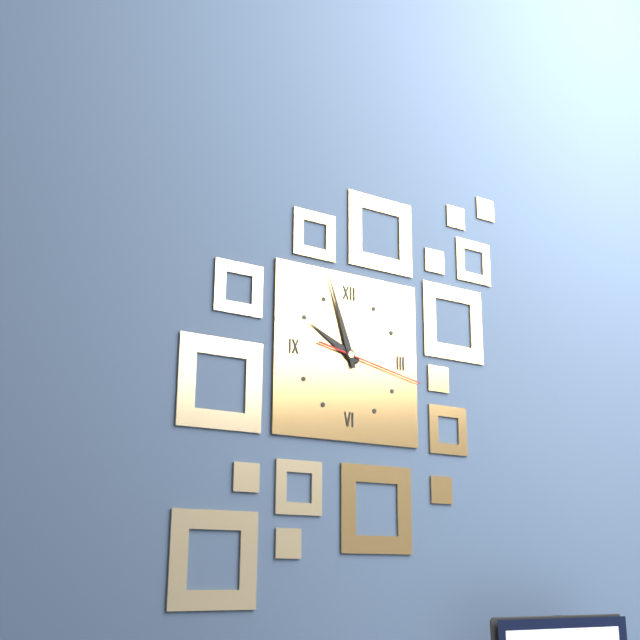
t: 9:57:17
